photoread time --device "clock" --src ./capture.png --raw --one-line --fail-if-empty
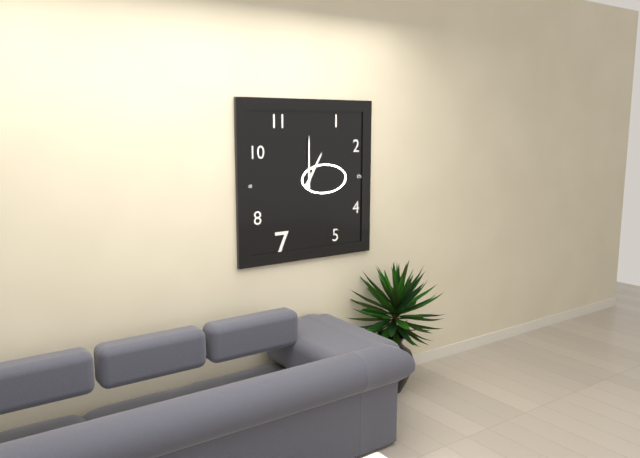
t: 1:00
